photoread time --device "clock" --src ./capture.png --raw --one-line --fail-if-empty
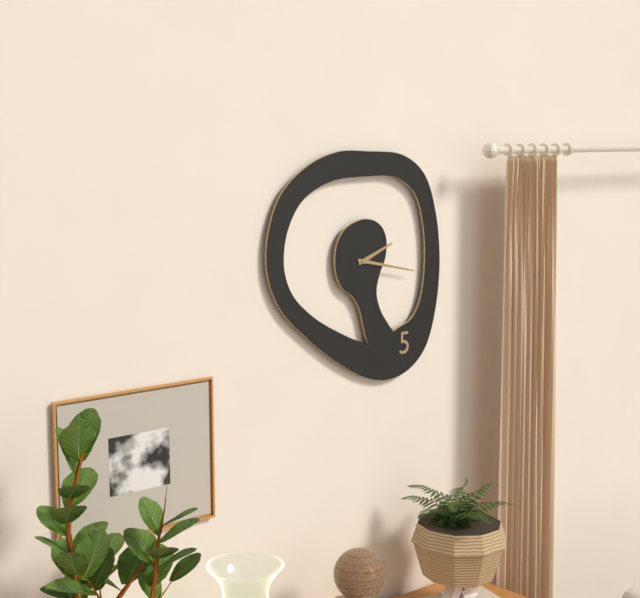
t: 2:17
